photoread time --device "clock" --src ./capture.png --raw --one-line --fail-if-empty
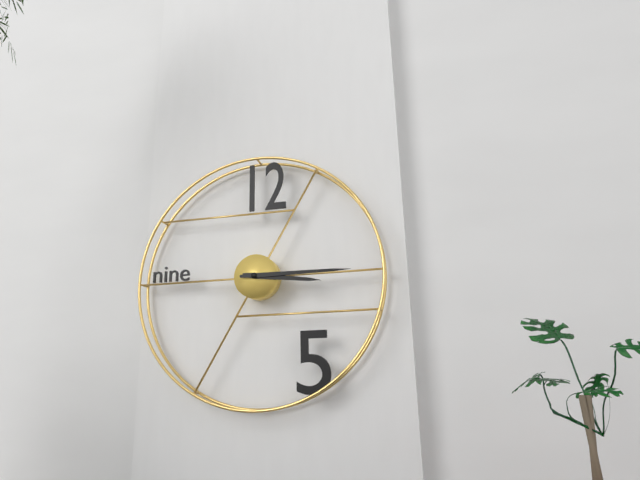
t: 3:15
